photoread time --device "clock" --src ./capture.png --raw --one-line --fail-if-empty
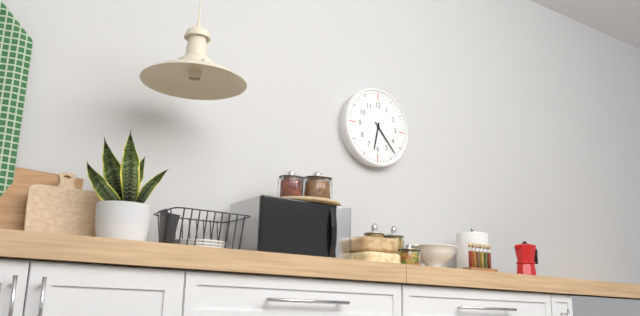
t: 6:23
